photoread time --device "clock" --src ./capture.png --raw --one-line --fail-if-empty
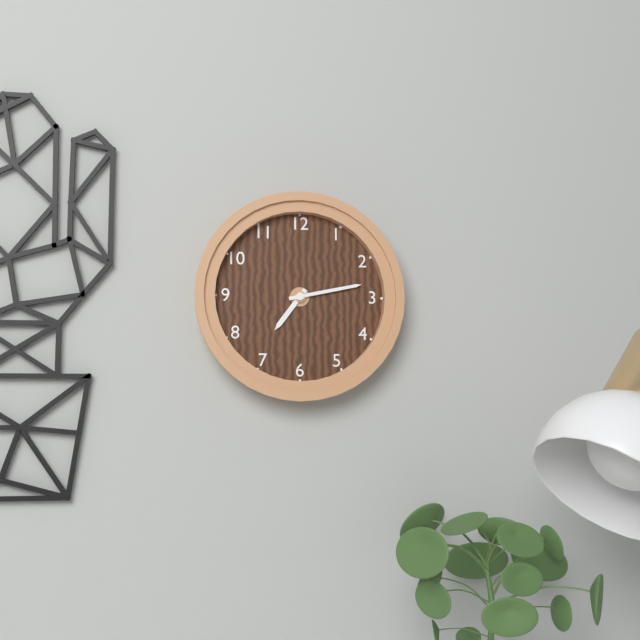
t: 7:13
